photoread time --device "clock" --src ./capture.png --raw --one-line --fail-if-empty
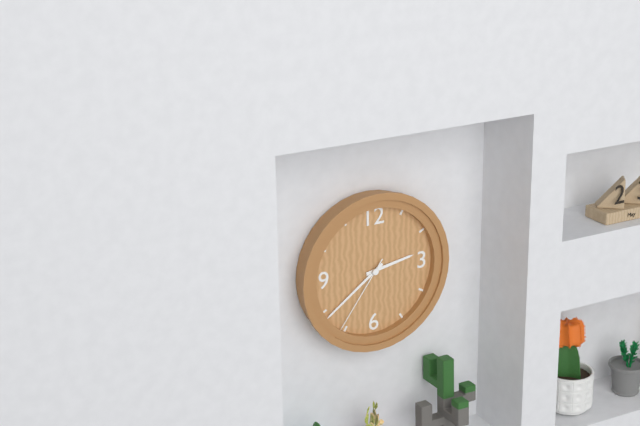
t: 2:39:36
